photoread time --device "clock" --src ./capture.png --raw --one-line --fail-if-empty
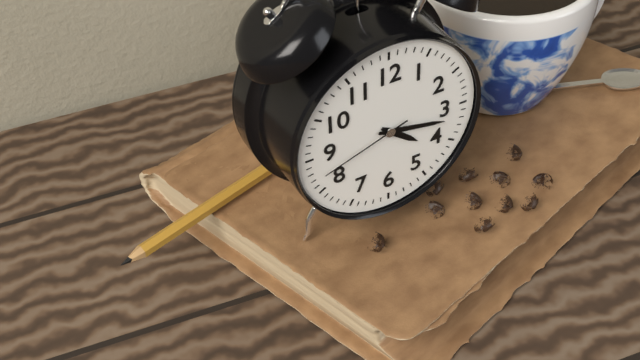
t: 4:17:42
